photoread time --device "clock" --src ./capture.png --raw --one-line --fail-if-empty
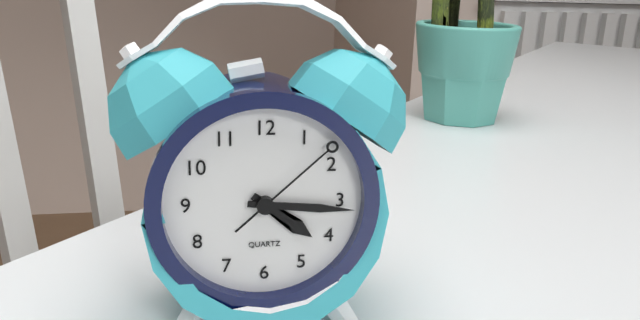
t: 4:16:08
